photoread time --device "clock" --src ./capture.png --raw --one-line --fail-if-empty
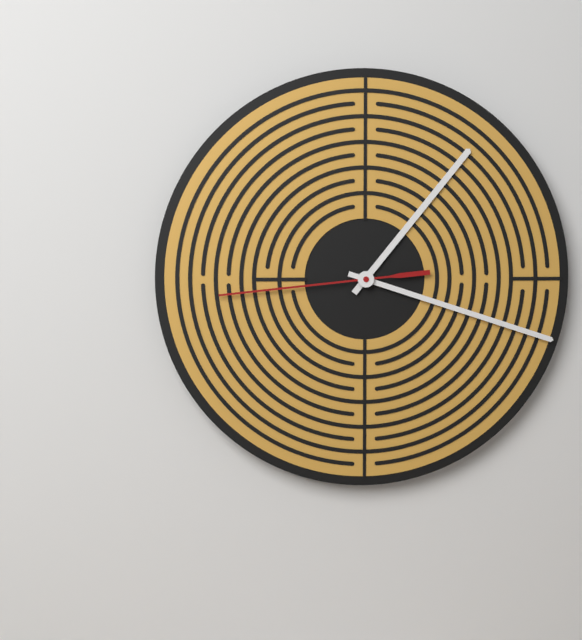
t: 1:18:44
